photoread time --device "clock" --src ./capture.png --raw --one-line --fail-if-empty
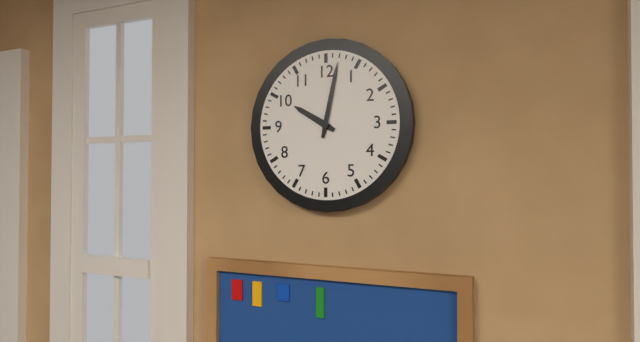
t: 10:02
